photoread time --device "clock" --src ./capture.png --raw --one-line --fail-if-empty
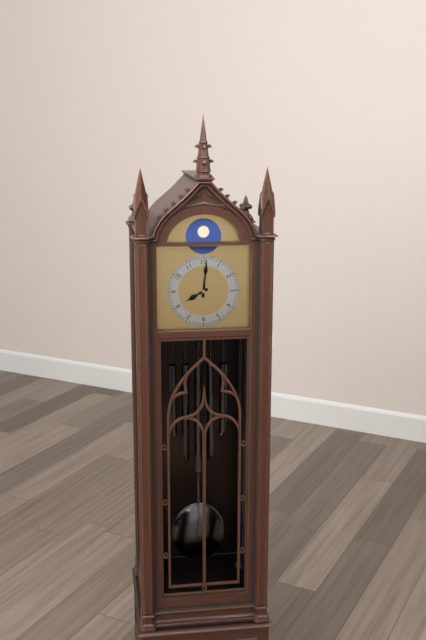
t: 8:01
